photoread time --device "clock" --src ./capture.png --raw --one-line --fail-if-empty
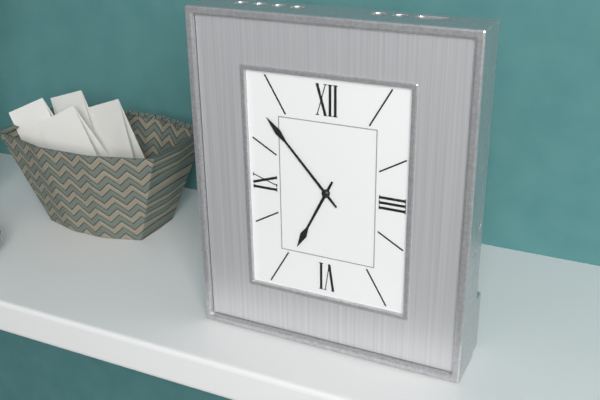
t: 6:53
